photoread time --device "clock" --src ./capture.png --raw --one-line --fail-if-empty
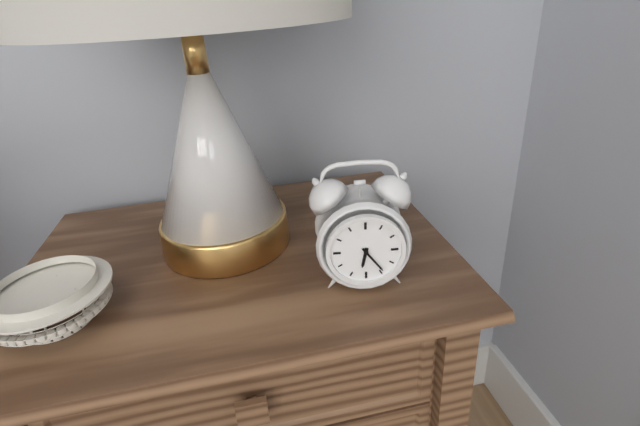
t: 6:24
